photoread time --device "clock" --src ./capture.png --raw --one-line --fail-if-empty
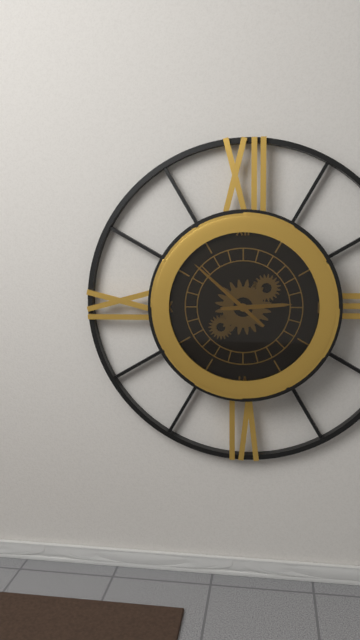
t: 2:52
